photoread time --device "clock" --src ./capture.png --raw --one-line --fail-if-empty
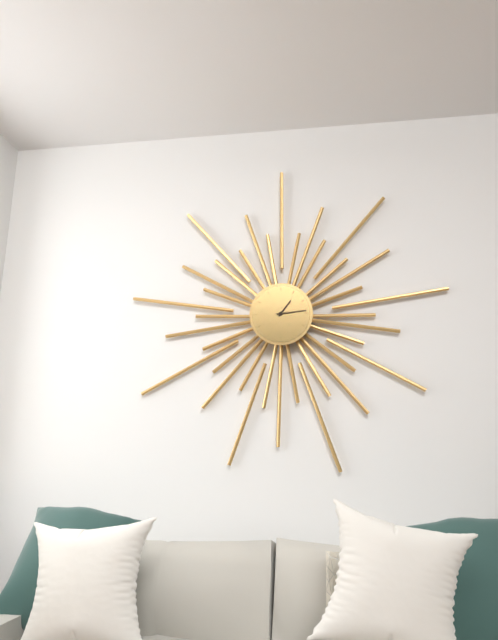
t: 1:14
